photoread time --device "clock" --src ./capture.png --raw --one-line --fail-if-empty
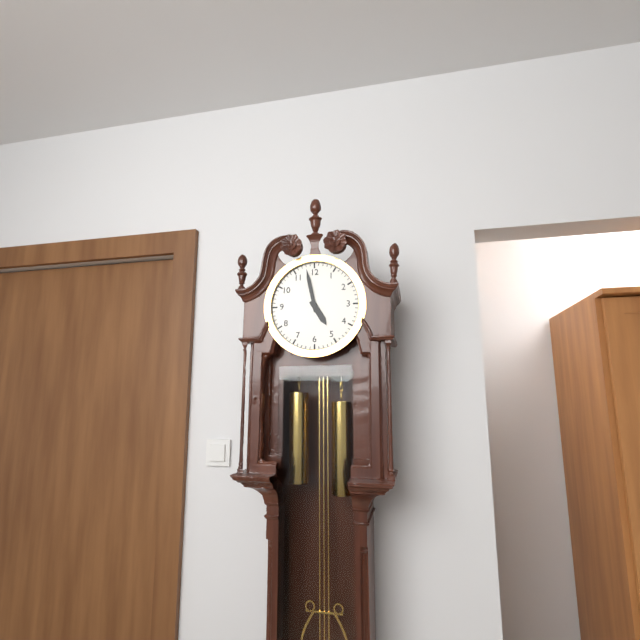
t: 4:58
